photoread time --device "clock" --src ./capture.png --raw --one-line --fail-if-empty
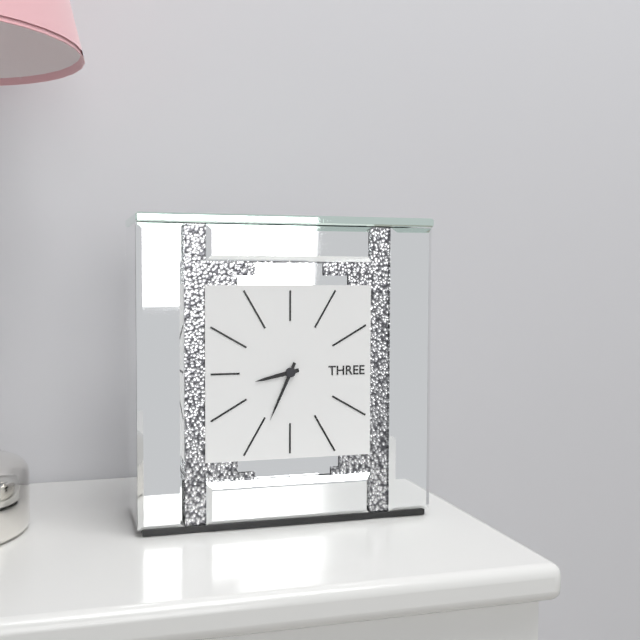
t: 8:34
